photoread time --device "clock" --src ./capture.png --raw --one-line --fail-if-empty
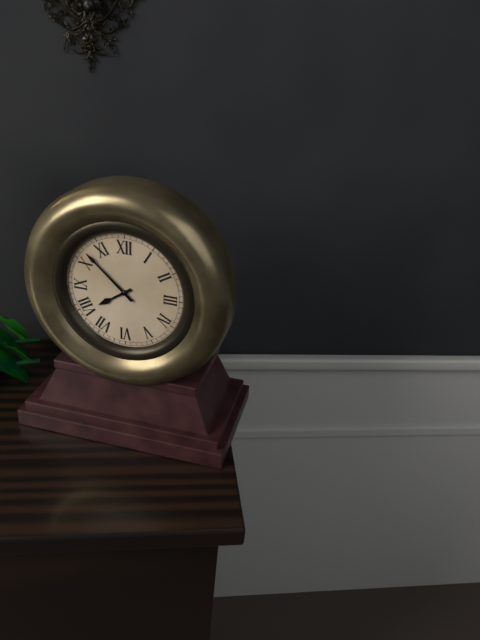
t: 7:52
